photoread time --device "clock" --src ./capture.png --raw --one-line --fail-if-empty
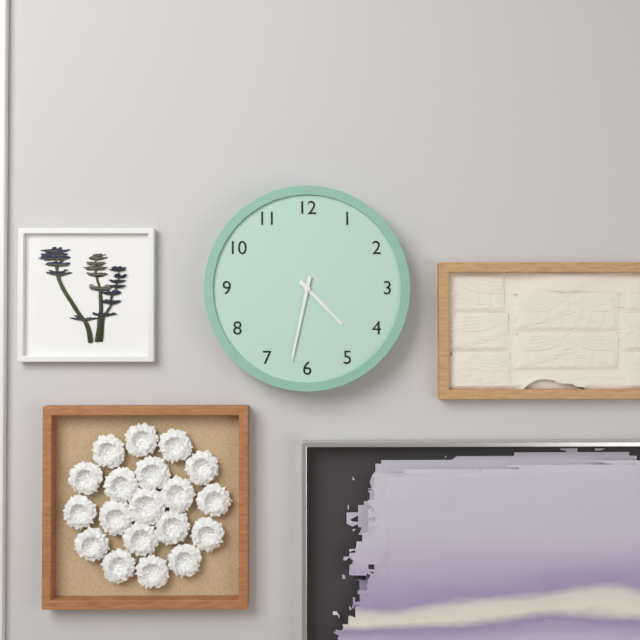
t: 4:32
